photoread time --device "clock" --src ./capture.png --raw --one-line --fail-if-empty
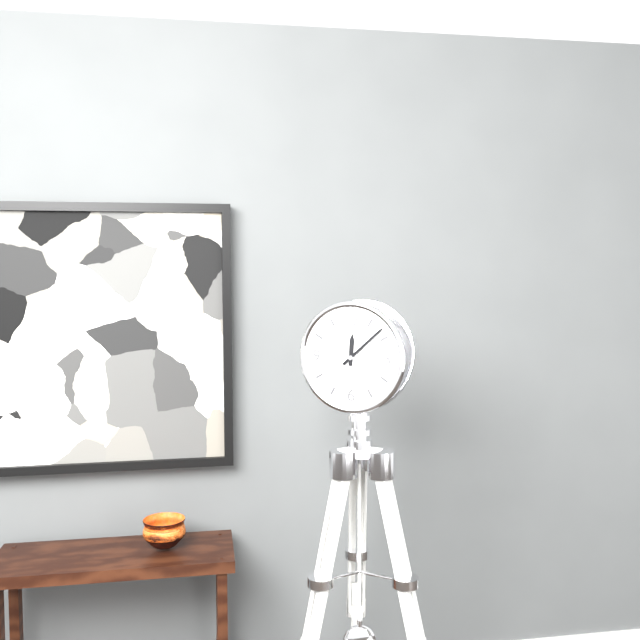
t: 12:08
